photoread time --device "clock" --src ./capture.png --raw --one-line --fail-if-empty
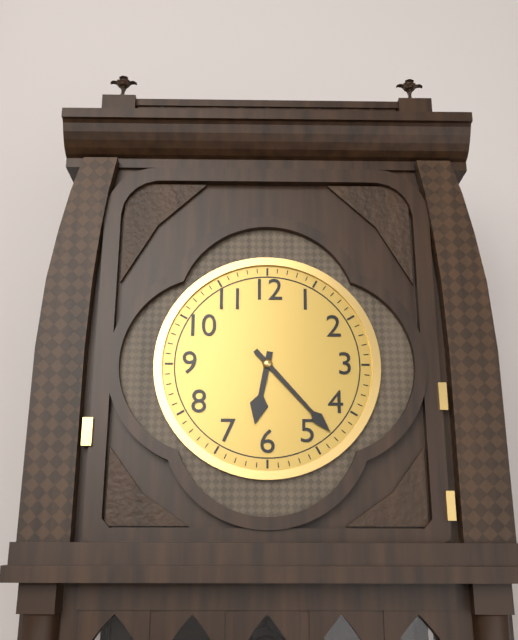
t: 6:23
